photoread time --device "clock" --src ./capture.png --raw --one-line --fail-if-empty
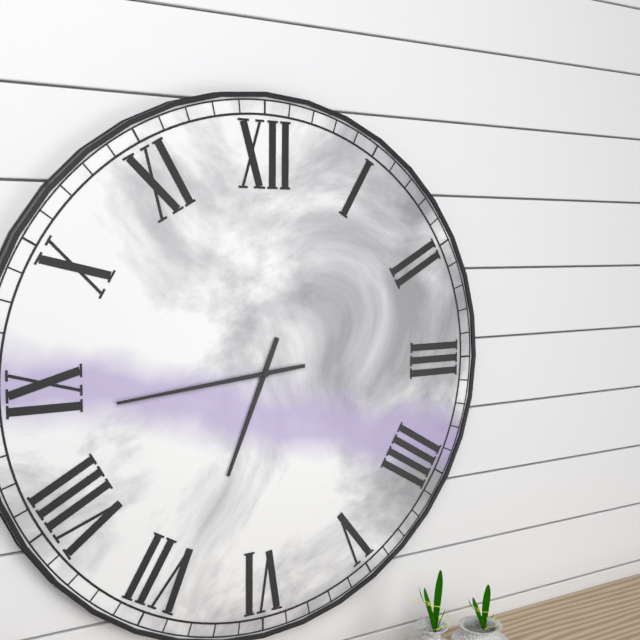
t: 6:44
